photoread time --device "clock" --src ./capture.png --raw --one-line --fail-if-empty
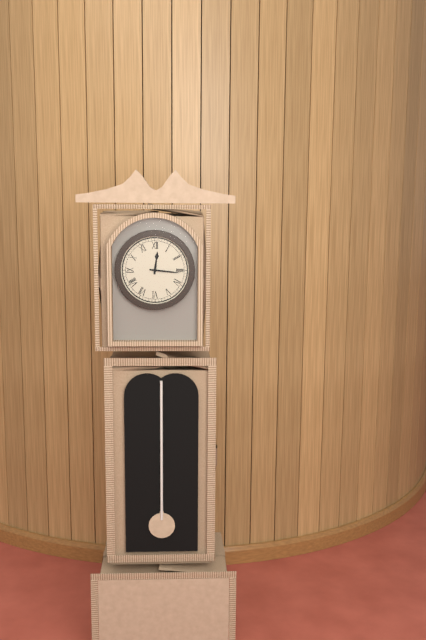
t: 12:16
